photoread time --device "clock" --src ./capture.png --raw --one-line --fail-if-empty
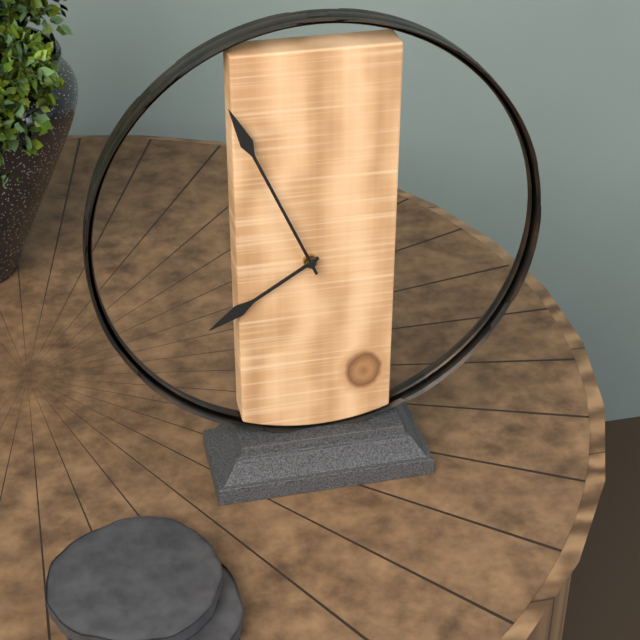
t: 7:56
